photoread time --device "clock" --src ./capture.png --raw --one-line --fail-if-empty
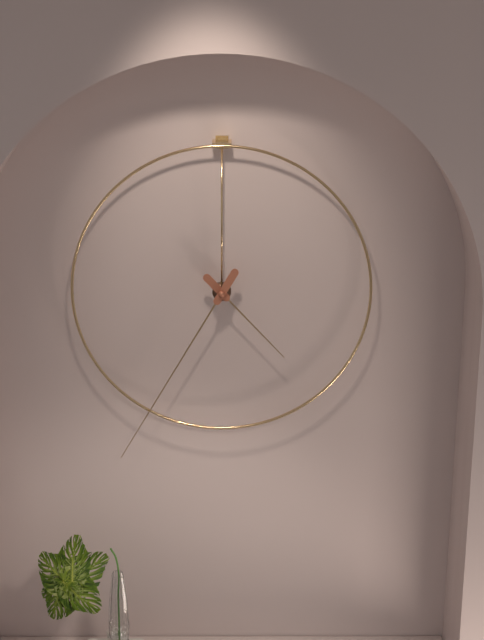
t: 4:35
